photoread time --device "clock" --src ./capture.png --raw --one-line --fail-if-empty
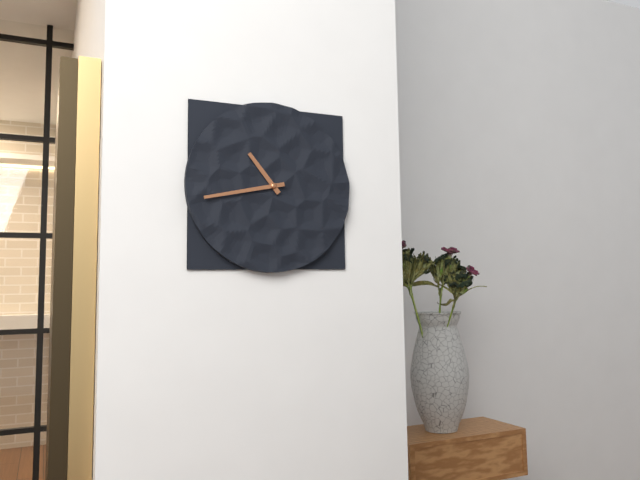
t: 10:43
